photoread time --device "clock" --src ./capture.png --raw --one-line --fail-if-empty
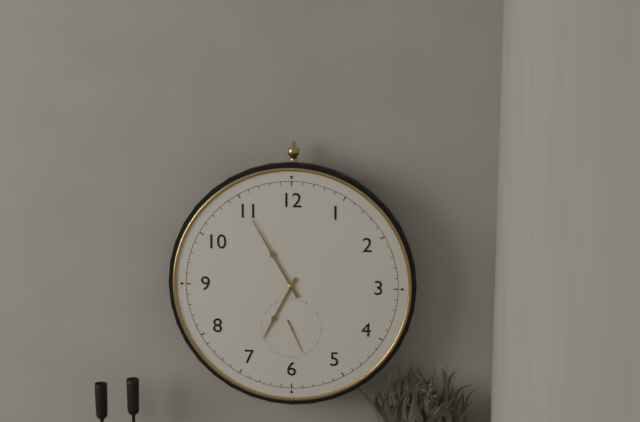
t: 6:55
